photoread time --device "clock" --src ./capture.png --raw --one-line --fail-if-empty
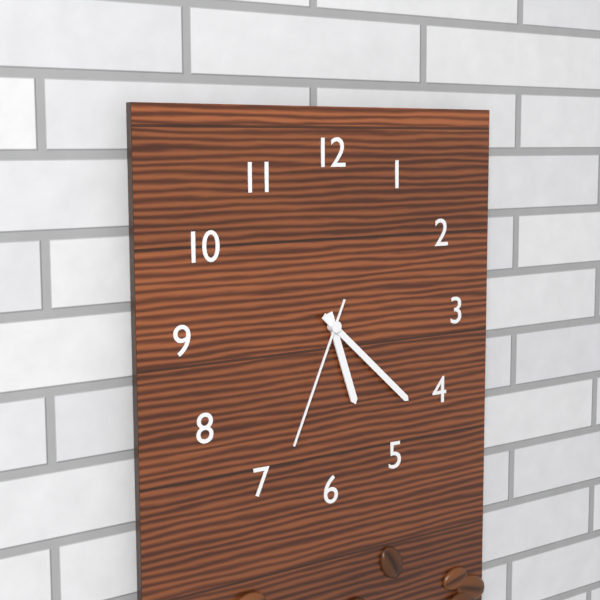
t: 5:22:34
